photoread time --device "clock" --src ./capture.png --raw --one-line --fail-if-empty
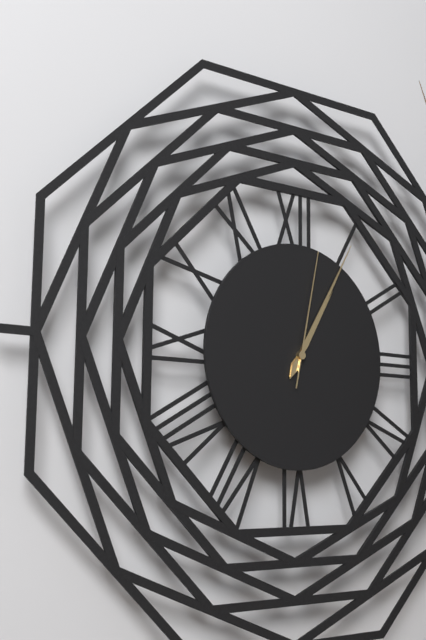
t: 1:05:02
